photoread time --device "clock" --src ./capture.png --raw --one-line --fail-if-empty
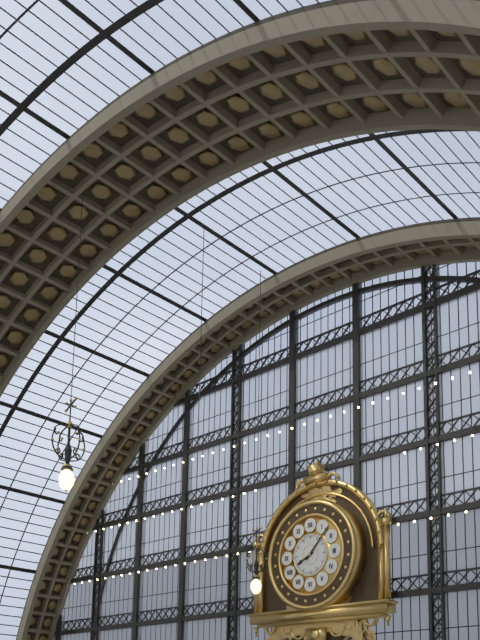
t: 8:07
